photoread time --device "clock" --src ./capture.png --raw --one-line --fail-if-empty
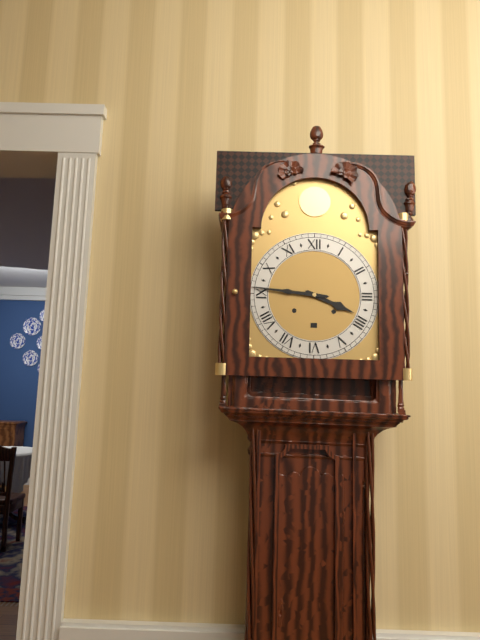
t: 3:46
